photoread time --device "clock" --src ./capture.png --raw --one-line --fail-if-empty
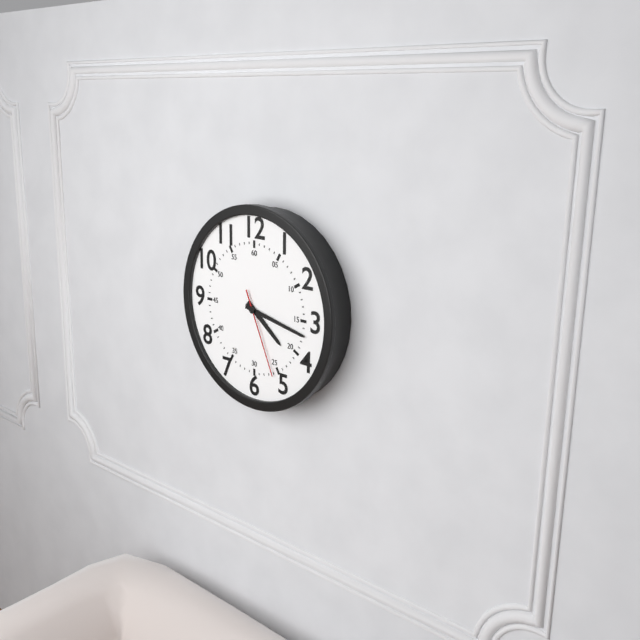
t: 4:17:26
